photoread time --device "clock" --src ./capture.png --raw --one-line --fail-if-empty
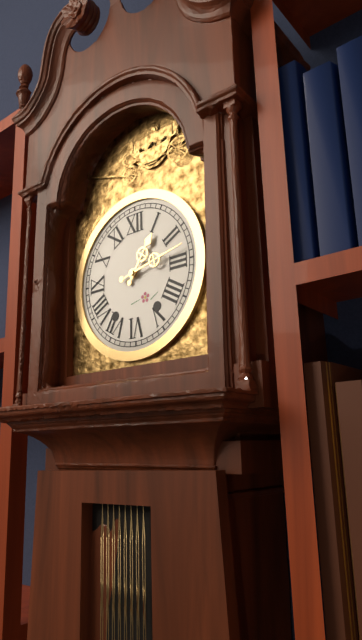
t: 1:13
